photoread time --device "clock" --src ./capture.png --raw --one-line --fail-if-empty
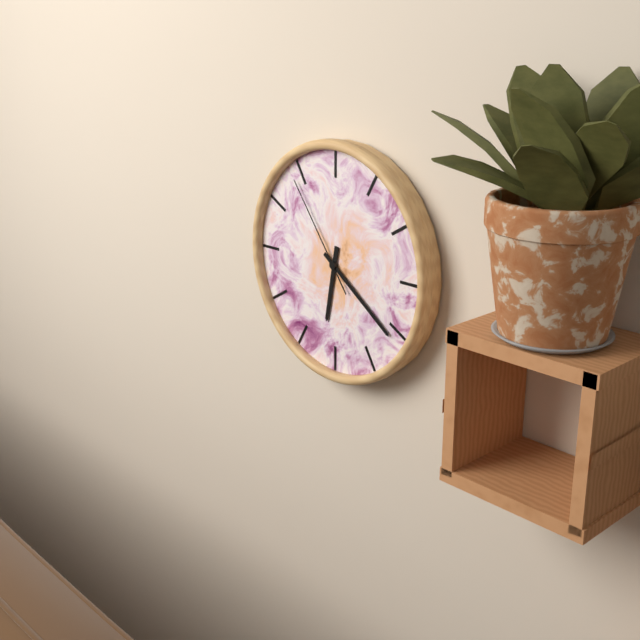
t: 6:21:54
